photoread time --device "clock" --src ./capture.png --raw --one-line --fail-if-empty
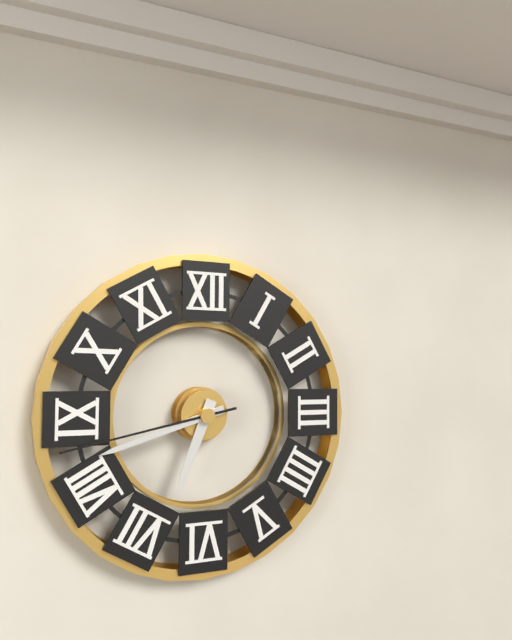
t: 6:42:43
